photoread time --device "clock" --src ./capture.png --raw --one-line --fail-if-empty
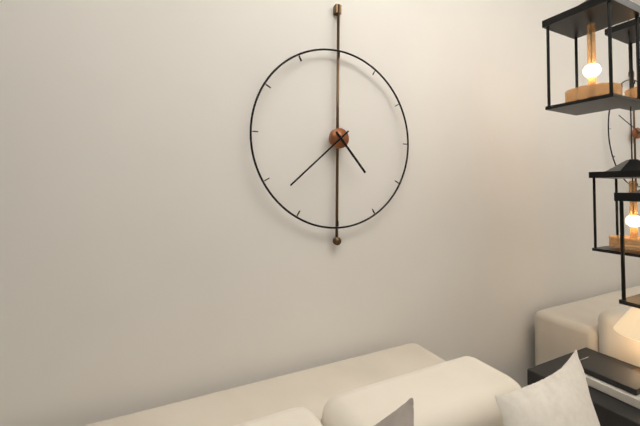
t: 4:38
